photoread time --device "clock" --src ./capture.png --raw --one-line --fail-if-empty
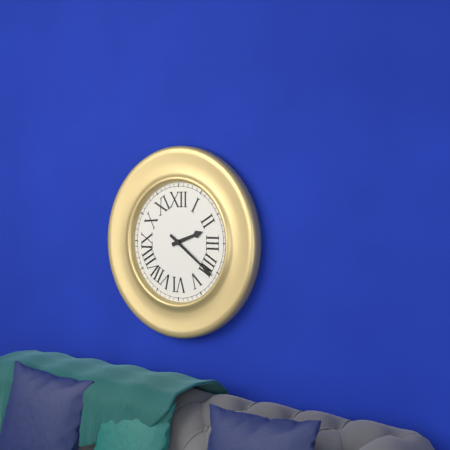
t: 2:21
